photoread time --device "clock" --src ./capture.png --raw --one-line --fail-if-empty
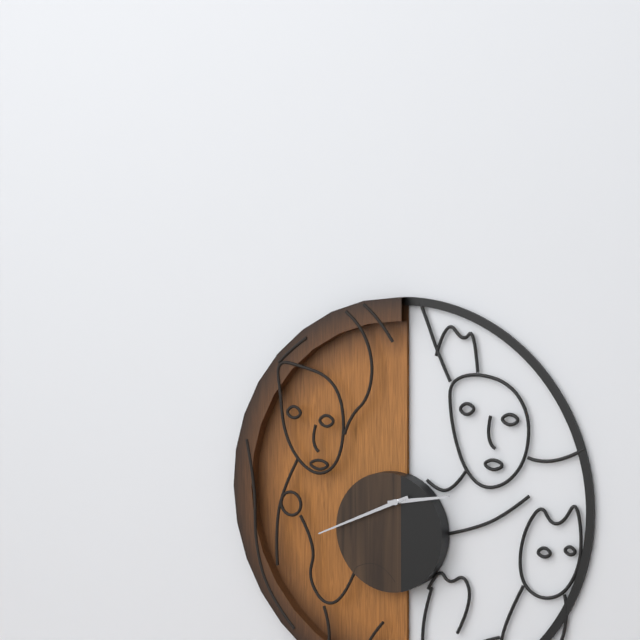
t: 2:41
